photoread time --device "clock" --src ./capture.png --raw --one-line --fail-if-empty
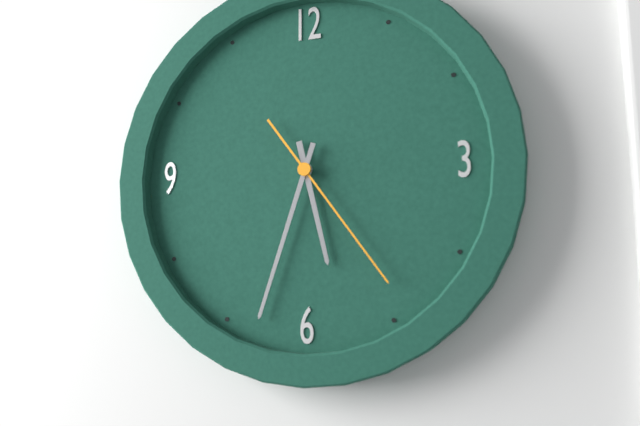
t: 5:33:24
